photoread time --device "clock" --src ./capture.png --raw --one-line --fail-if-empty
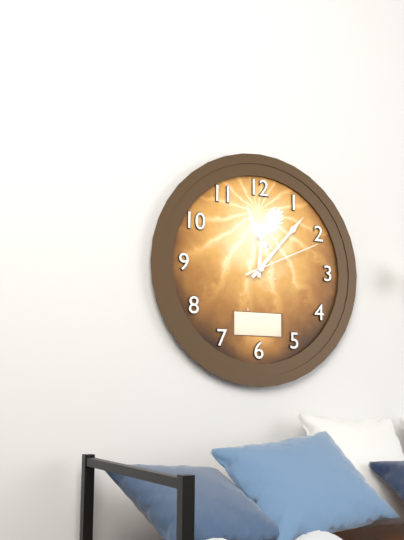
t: 12:07:11
